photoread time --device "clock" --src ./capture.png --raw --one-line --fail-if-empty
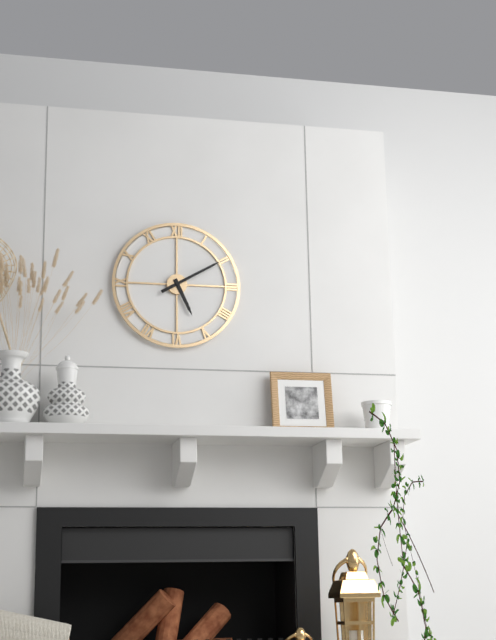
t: 5:10
